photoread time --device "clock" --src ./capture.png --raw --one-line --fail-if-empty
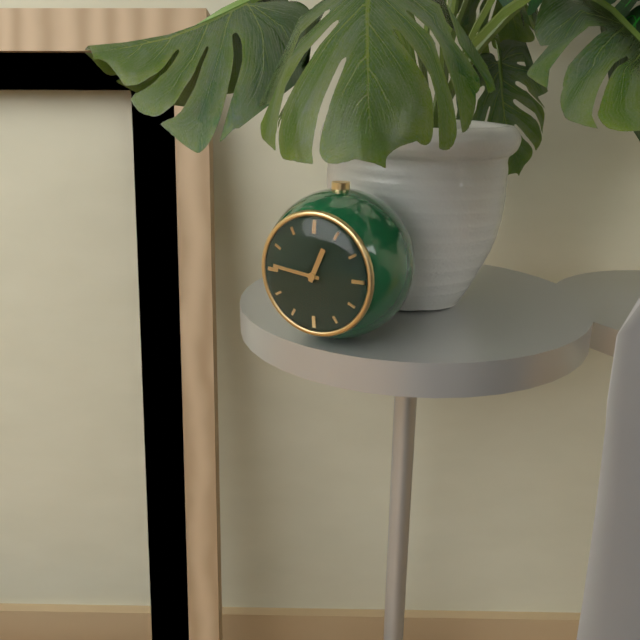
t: 12:46
